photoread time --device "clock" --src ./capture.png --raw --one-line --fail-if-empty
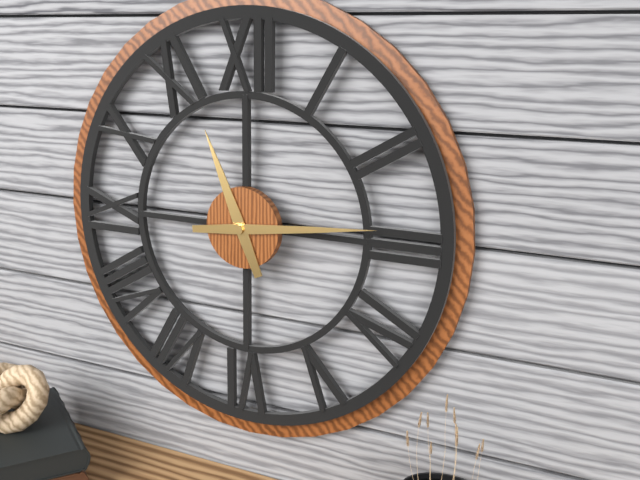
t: 11:14
